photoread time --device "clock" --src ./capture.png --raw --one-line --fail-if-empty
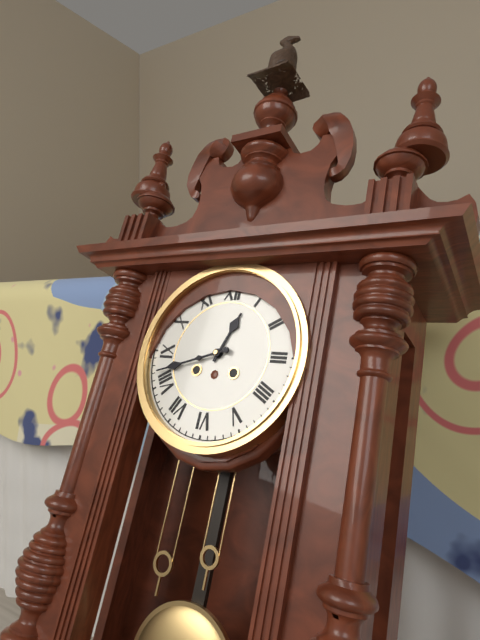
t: 12:42
